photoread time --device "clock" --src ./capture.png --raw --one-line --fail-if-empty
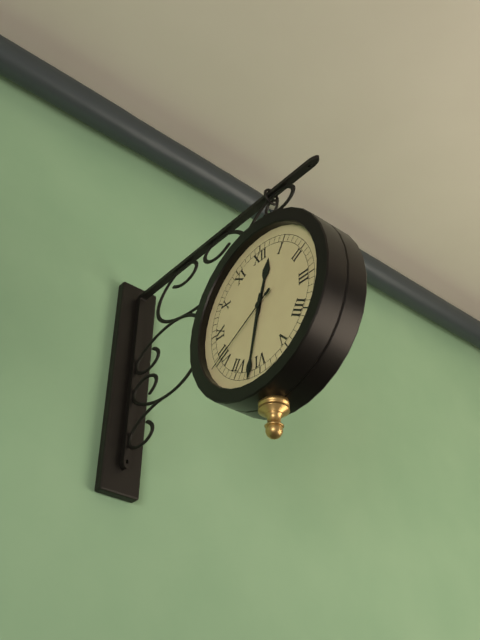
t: 12:32:40
